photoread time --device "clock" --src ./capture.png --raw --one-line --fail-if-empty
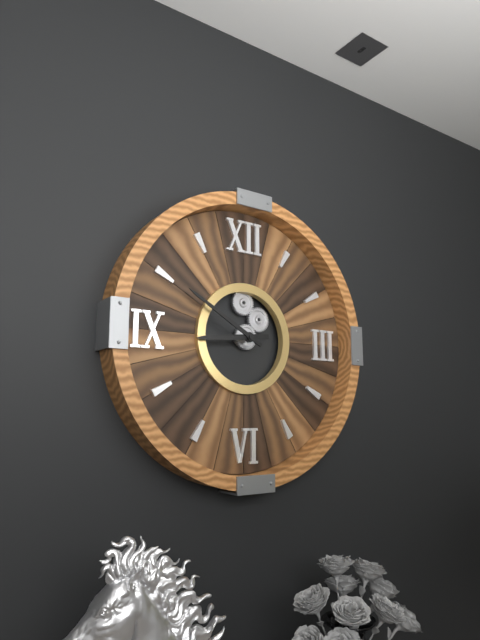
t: 8:50
